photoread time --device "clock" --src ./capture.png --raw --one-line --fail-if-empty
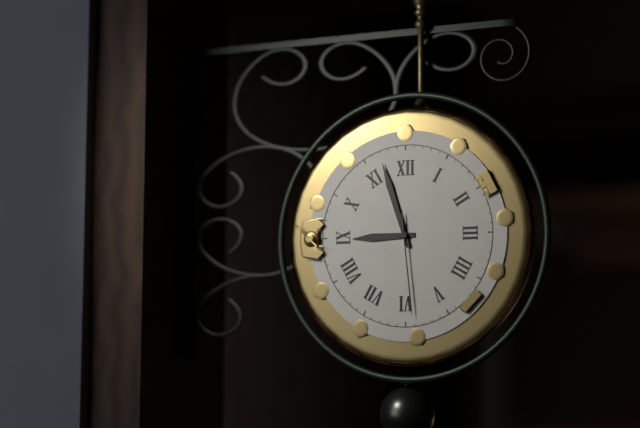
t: 8:57:29
